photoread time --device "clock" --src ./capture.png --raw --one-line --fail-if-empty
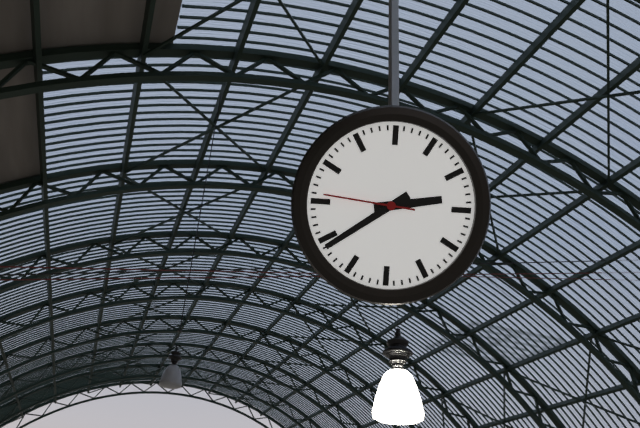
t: 2:39:46
